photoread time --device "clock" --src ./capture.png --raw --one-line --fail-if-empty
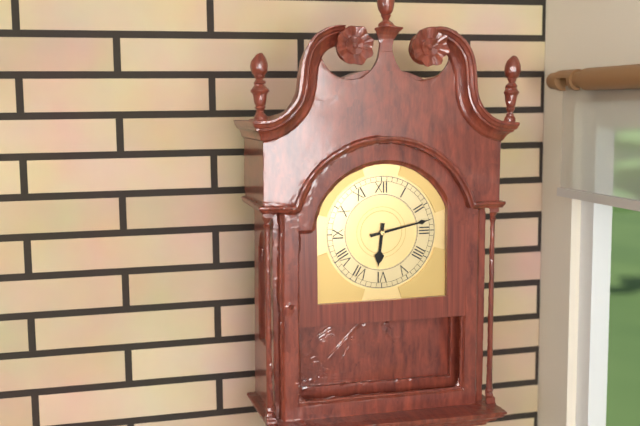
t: 6:13
